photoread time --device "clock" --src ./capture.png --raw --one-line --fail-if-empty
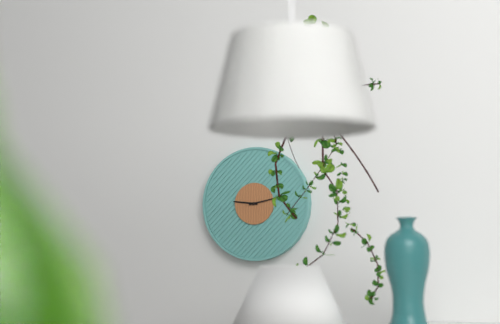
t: 9:13
